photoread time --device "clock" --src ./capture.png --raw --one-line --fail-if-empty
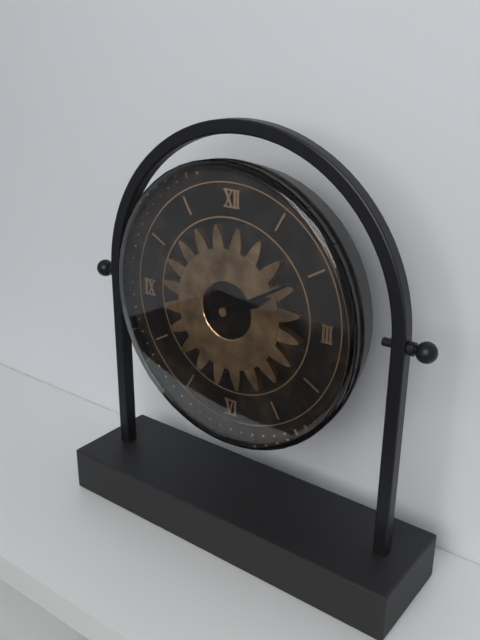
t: 2:10
